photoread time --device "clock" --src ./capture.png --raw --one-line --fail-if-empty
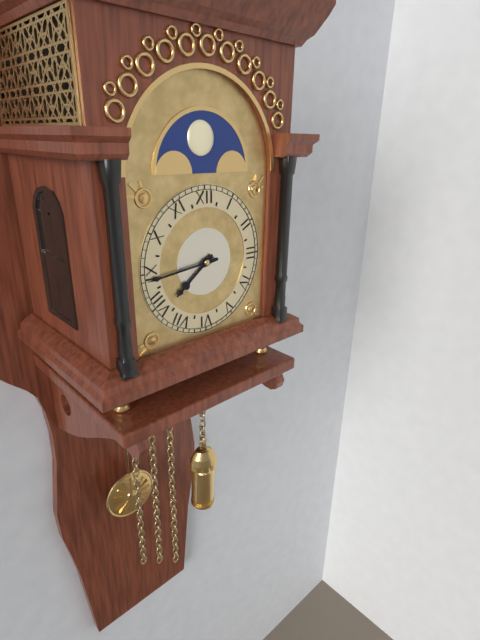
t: 7:44
